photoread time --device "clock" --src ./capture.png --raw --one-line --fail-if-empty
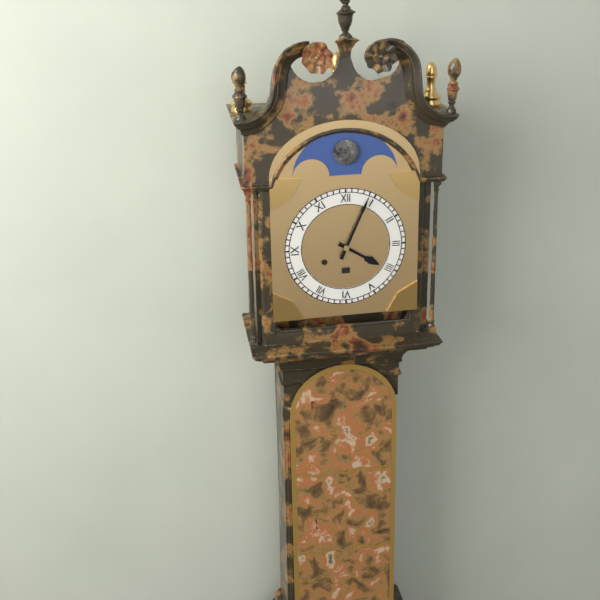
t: 4:04
